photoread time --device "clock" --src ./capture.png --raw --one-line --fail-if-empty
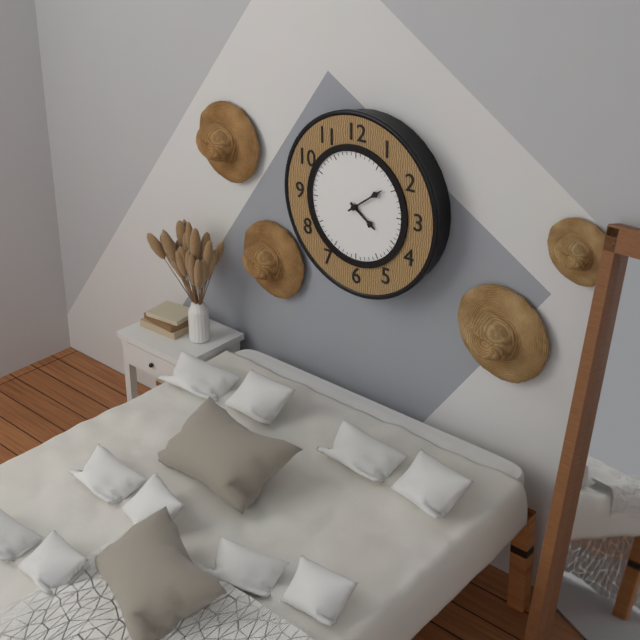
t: 4:09
